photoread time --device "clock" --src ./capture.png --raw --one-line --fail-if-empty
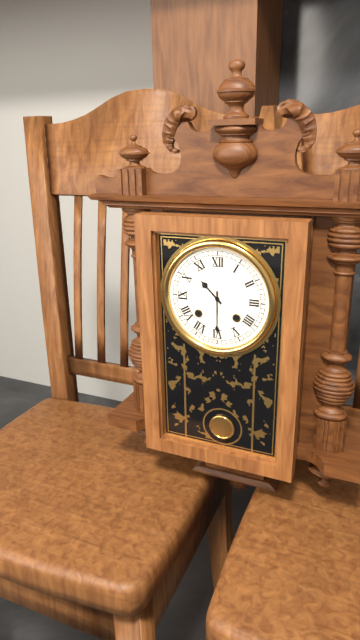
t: 10:30
